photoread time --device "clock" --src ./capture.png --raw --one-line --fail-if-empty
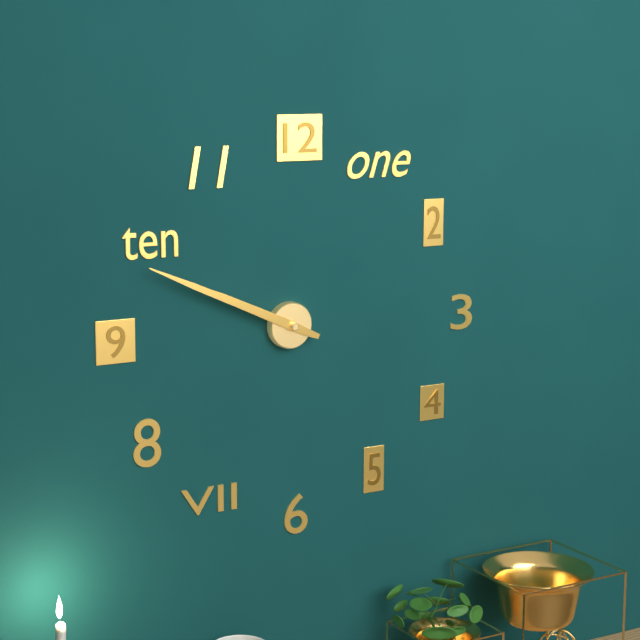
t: 9:49
